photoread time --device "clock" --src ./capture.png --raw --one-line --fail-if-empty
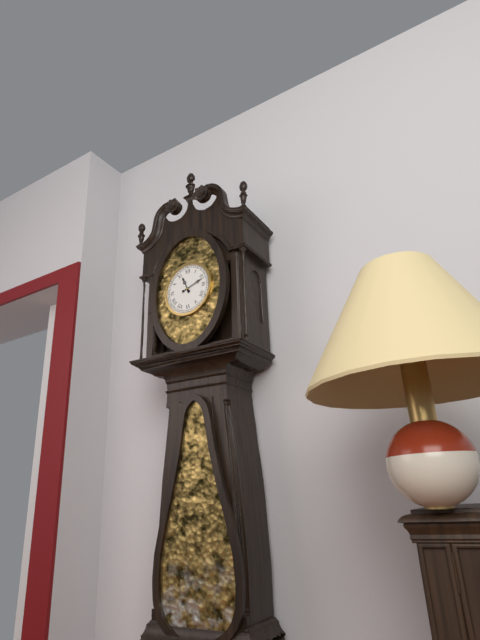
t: 11:12
